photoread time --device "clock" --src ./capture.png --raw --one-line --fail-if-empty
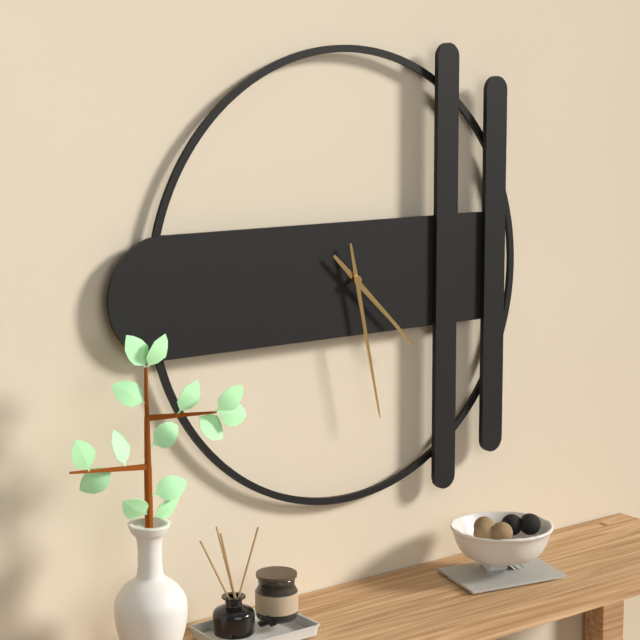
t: 4:28
